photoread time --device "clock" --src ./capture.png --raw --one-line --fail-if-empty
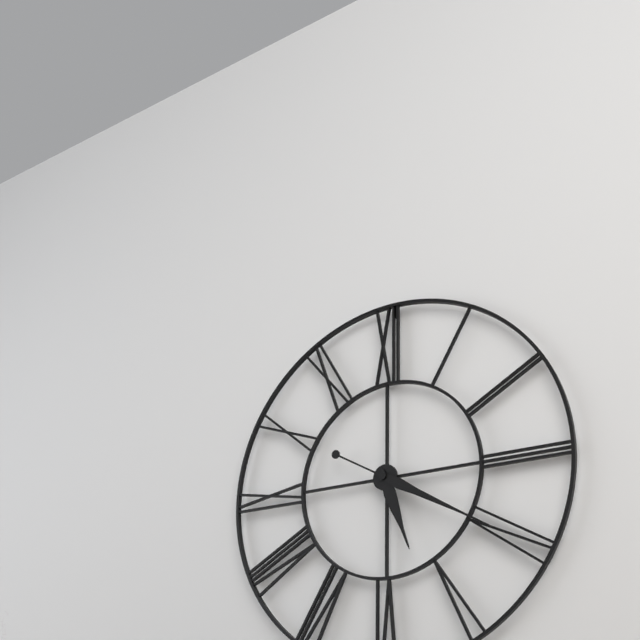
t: 5:20
